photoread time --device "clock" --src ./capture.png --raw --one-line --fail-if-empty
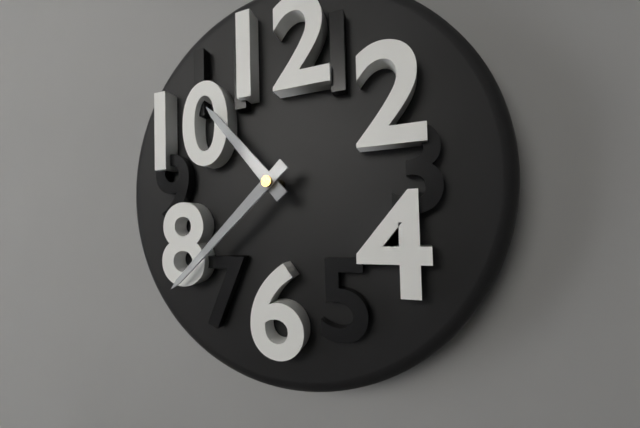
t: 10:38
